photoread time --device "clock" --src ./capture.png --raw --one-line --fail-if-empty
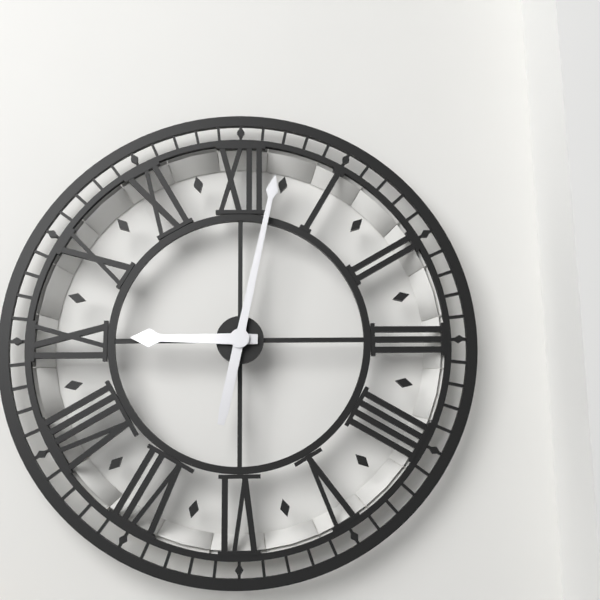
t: 9:02
